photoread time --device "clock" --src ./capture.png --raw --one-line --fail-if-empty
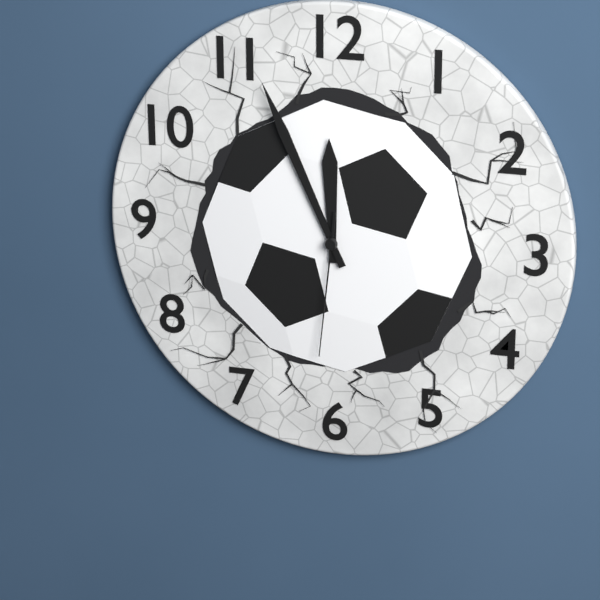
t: 11:56:31
